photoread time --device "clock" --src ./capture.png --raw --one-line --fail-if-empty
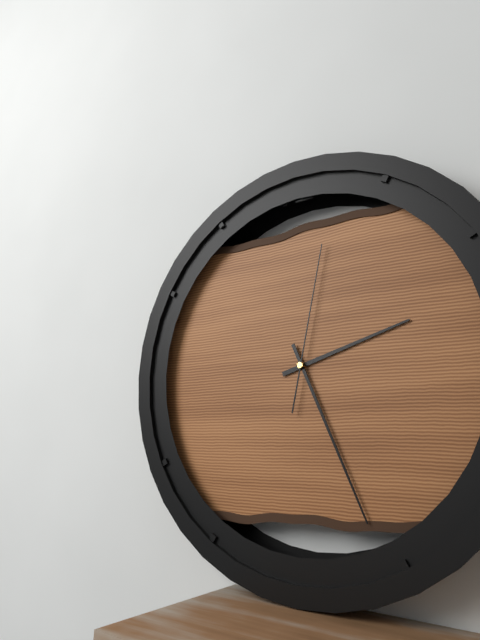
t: 2:26:02
